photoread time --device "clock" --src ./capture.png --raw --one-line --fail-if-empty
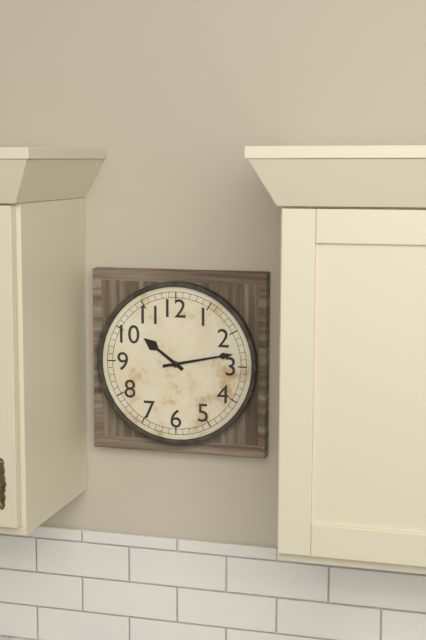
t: 10:13
